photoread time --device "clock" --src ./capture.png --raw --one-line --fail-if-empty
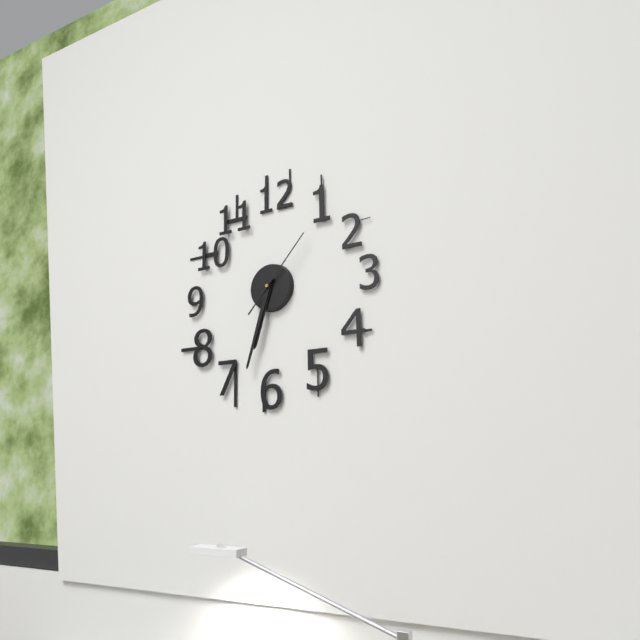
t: 6:33:07
